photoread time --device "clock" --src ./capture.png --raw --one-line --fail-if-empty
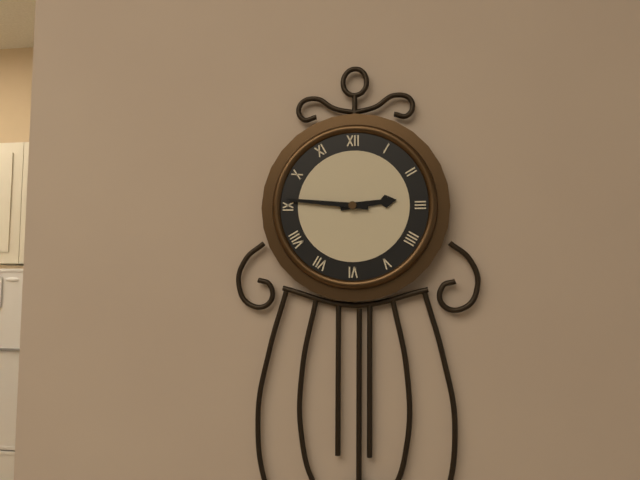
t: 2:46
